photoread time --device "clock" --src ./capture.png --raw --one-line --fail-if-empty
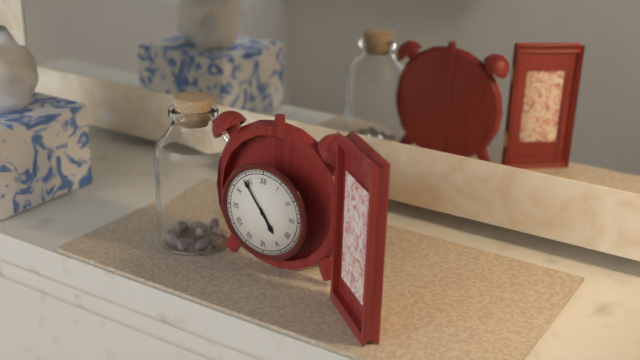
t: 4:54
